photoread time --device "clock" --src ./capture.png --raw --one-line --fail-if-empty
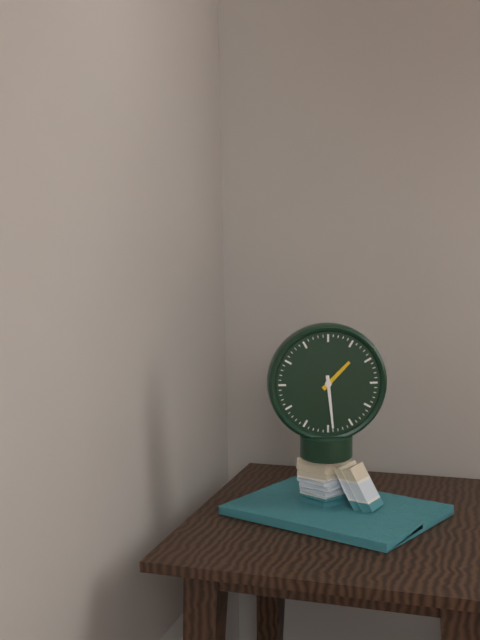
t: 1:29
